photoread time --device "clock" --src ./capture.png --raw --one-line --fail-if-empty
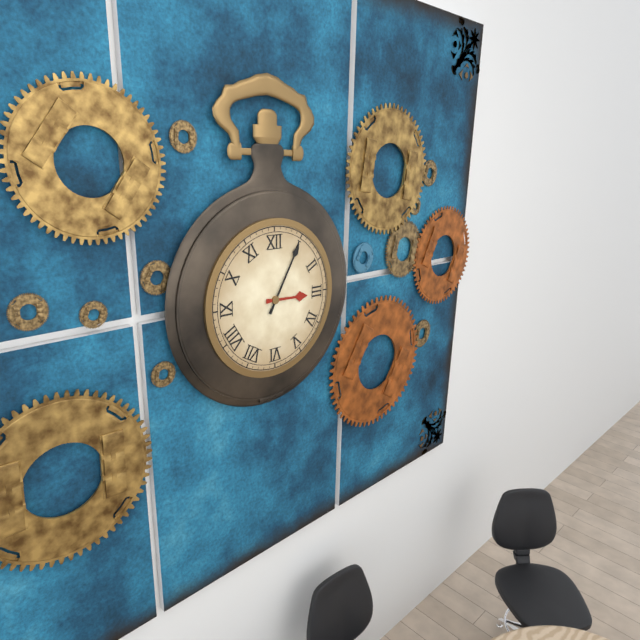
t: 3:05
